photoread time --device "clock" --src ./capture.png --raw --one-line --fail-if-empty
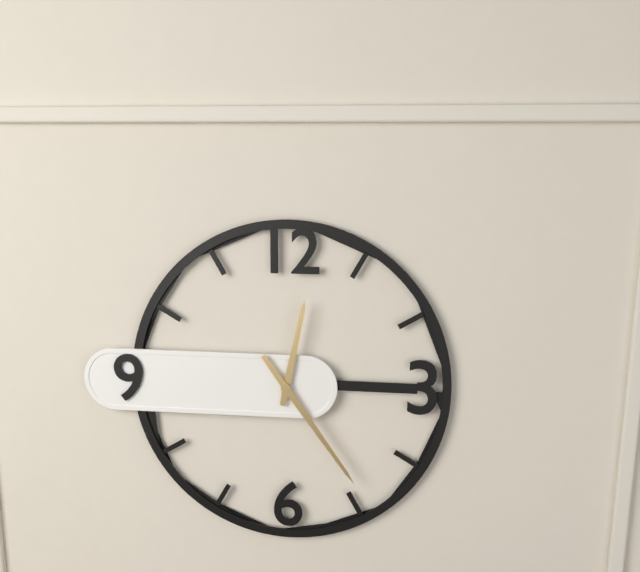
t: 12:24
